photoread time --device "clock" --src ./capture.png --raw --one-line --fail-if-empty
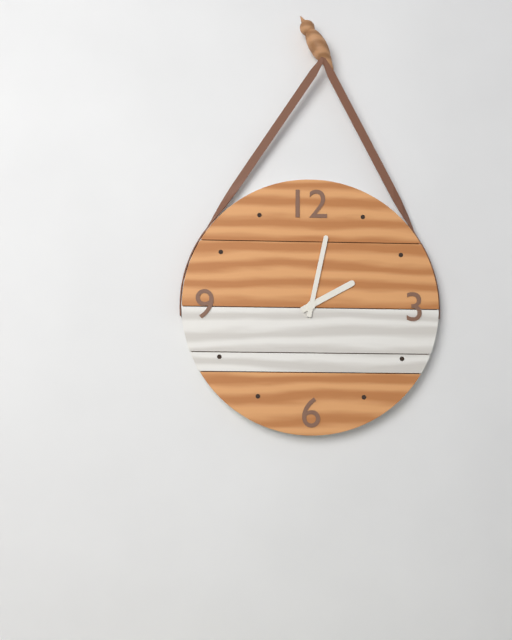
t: 2:02
